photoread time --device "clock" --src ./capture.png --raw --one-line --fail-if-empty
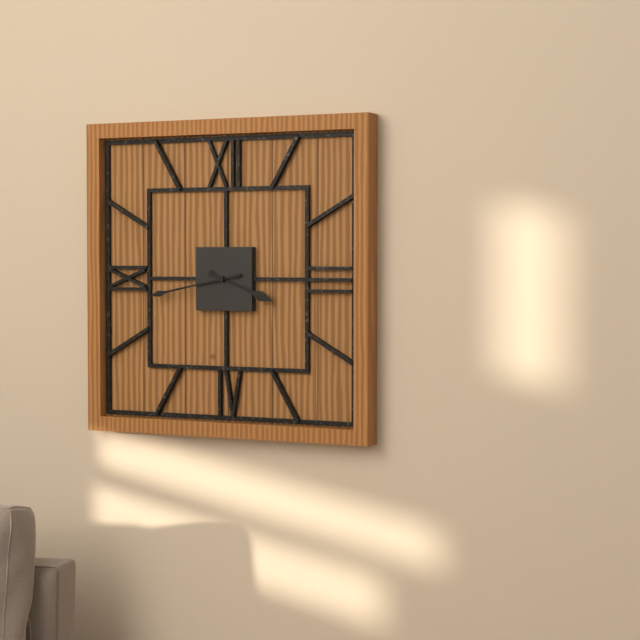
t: 3:43
